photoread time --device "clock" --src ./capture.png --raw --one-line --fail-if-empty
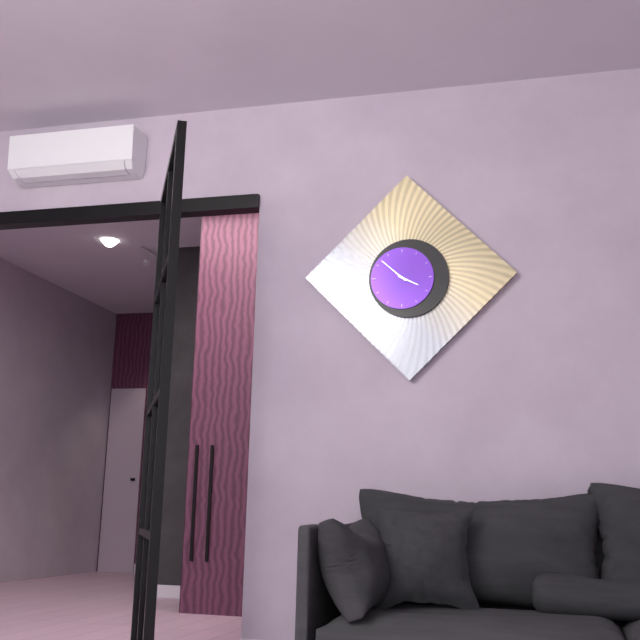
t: 3:52
